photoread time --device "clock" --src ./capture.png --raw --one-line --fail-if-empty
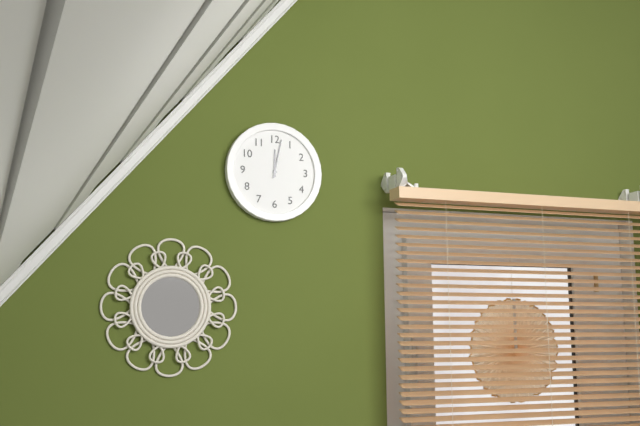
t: 12:02
